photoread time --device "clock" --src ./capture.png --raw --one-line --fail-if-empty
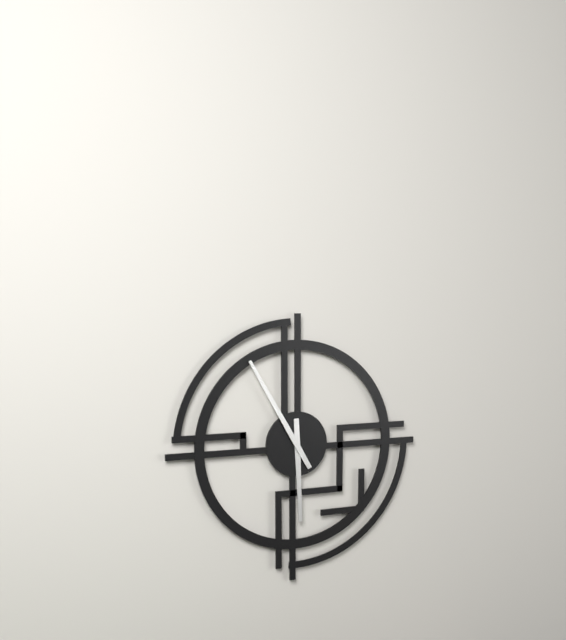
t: 5:55
